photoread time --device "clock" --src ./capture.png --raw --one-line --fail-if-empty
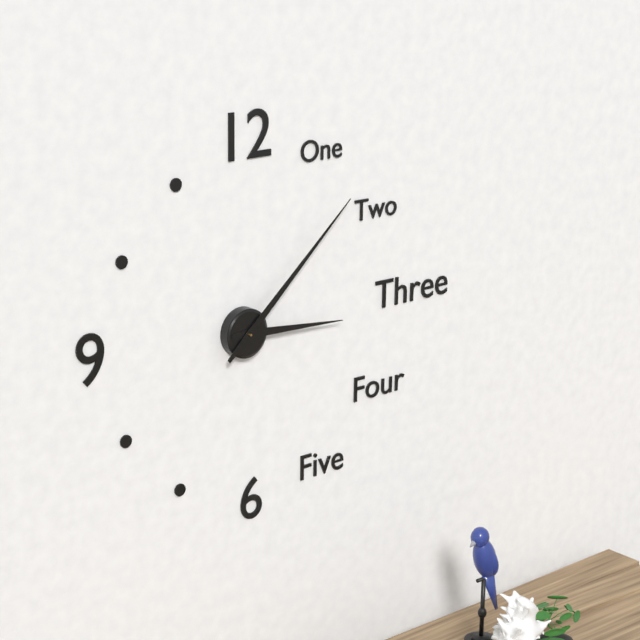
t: 3:08
